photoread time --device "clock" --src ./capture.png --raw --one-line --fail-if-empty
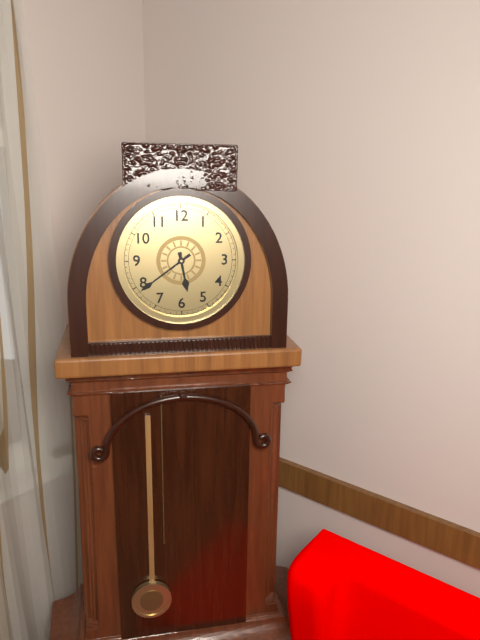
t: 5:39
